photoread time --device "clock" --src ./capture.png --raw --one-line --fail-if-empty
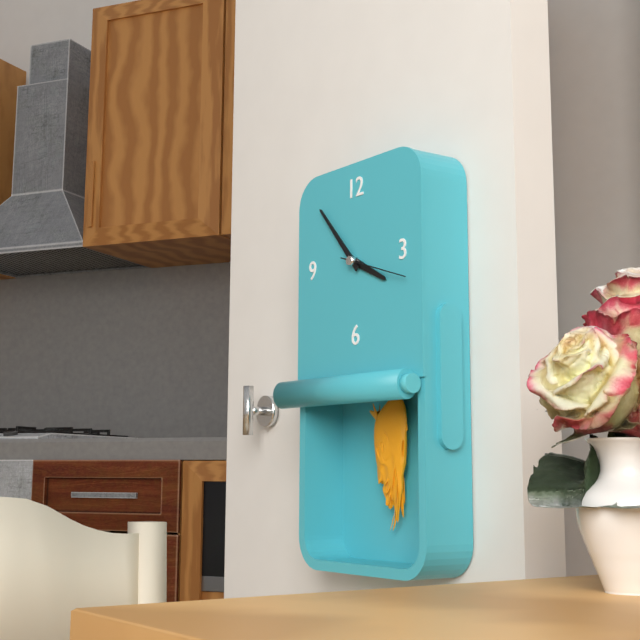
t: 3:53:18
